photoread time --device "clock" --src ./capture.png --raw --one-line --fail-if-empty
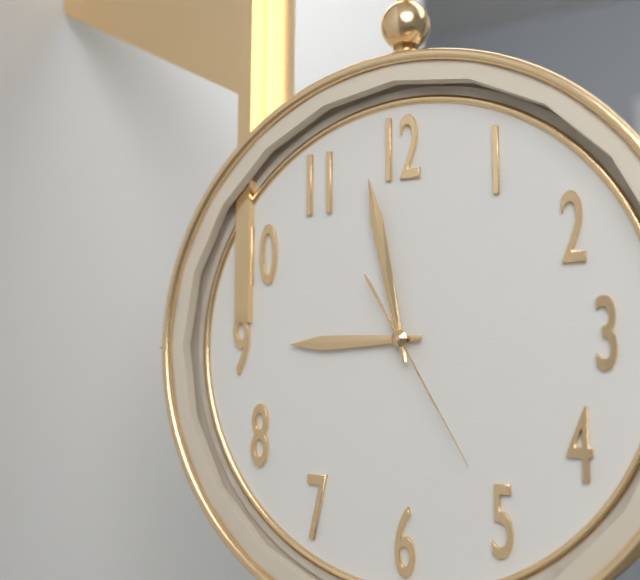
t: 8:58:25
